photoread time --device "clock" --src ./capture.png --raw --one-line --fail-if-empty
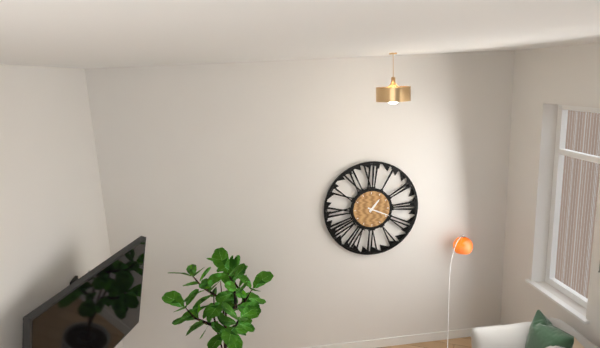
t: 1:19
